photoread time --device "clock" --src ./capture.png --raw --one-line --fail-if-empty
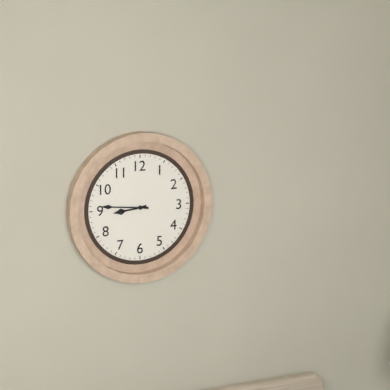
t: 8:46
